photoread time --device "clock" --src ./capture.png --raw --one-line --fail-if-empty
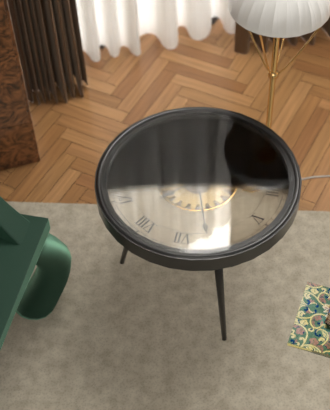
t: 8:32
